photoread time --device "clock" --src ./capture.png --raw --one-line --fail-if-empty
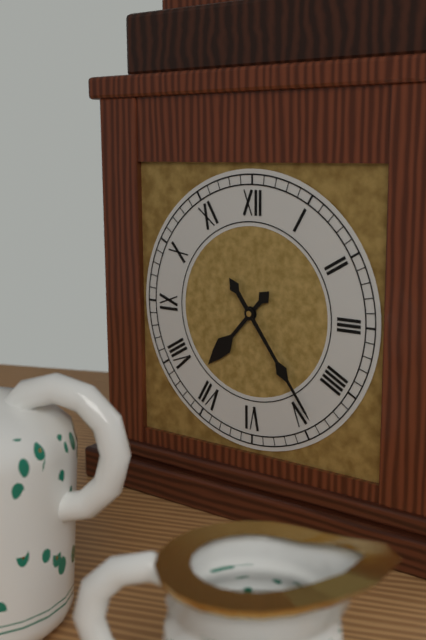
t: 7:24
